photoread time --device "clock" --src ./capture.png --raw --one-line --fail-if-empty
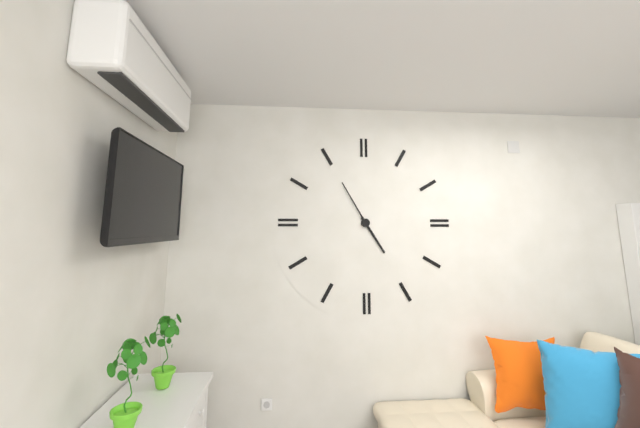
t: 4:55
